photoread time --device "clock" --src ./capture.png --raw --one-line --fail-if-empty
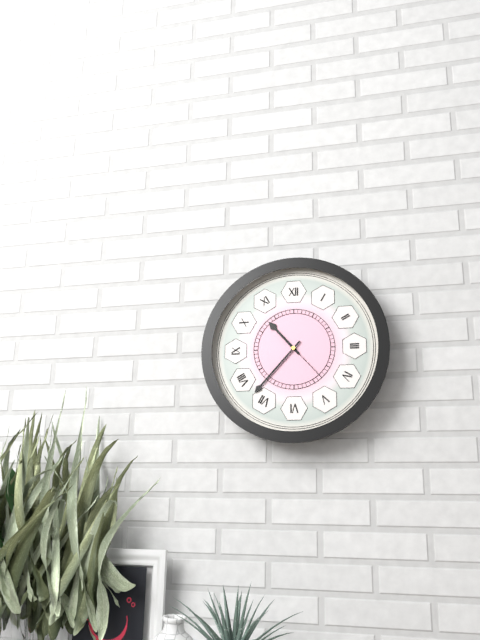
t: 10:37
